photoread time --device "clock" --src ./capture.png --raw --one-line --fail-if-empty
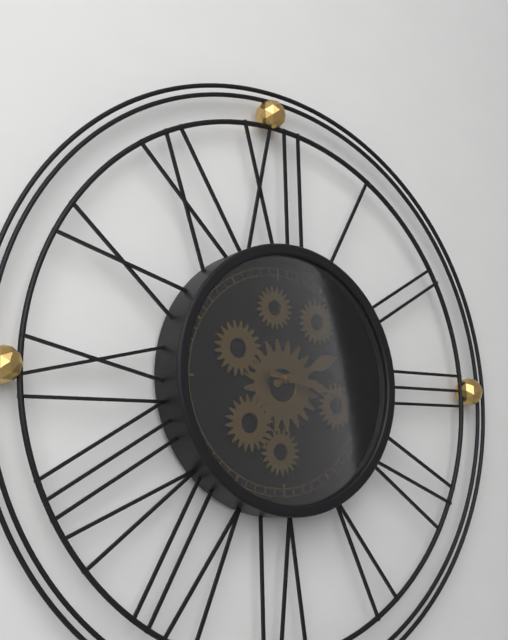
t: 2:17
